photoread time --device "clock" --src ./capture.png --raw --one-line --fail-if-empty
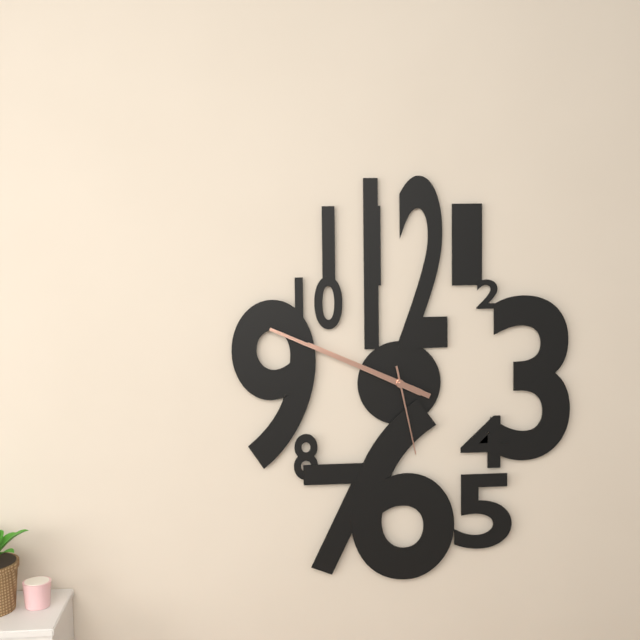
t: 9:49:28
